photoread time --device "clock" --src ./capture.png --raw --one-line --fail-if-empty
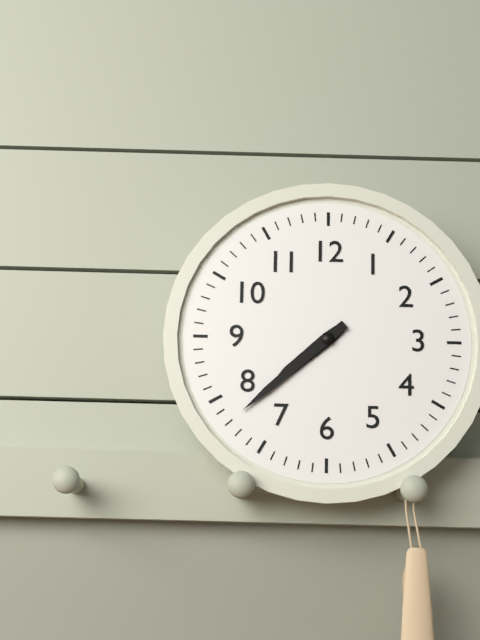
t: 7:38
